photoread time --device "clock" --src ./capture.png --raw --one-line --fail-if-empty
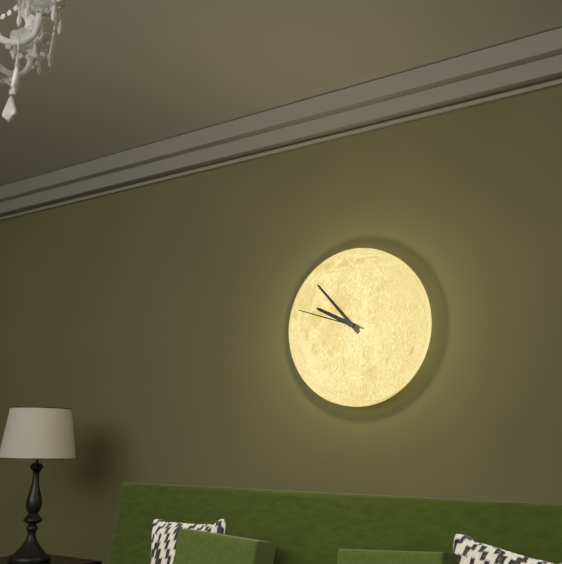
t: 9:53:48
